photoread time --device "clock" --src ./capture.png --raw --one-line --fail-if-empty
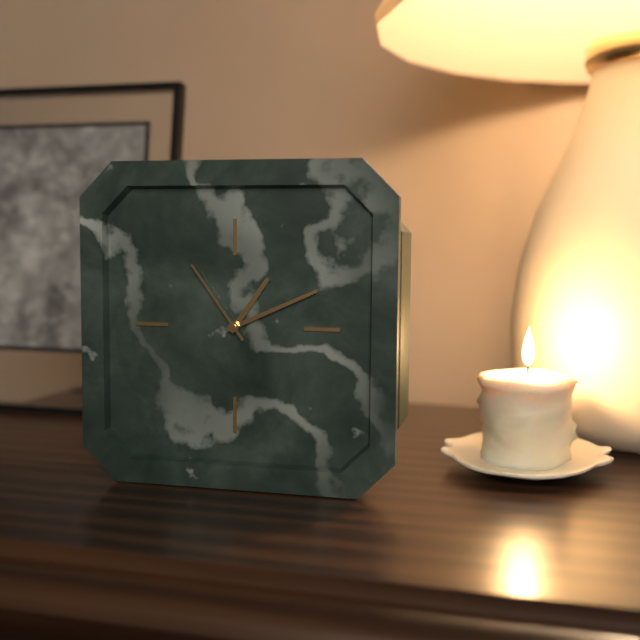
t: 1:11:54
